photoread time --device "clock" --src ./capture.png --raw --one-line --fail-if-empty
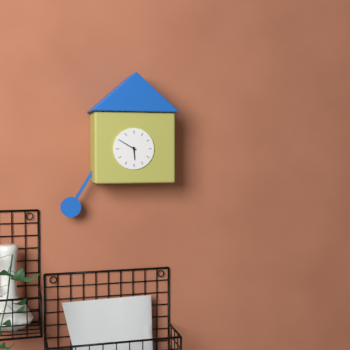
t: 5:50
